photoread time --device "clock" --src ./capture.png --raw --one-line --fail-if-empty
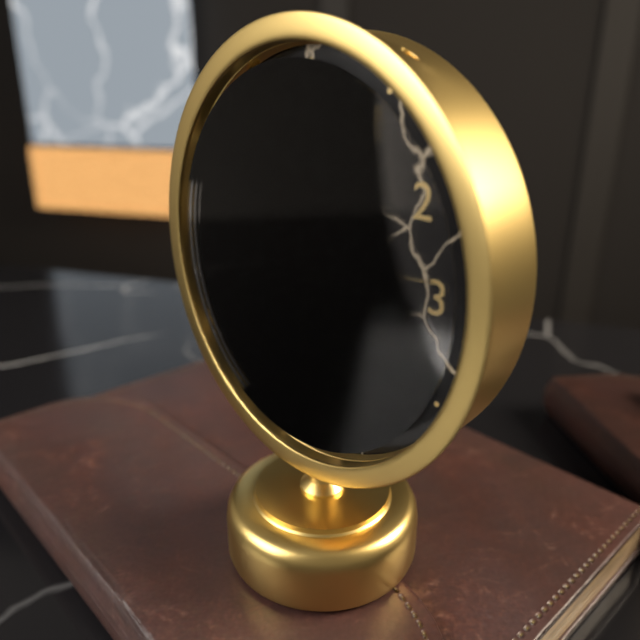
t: 4:19:14
